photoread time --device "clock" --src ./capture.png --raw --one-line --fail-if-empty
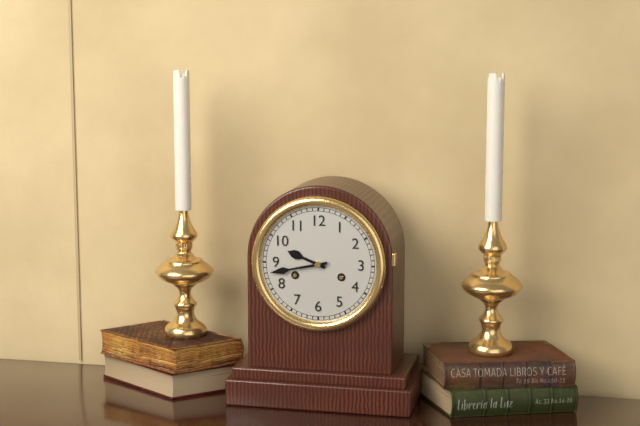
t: 9:43
